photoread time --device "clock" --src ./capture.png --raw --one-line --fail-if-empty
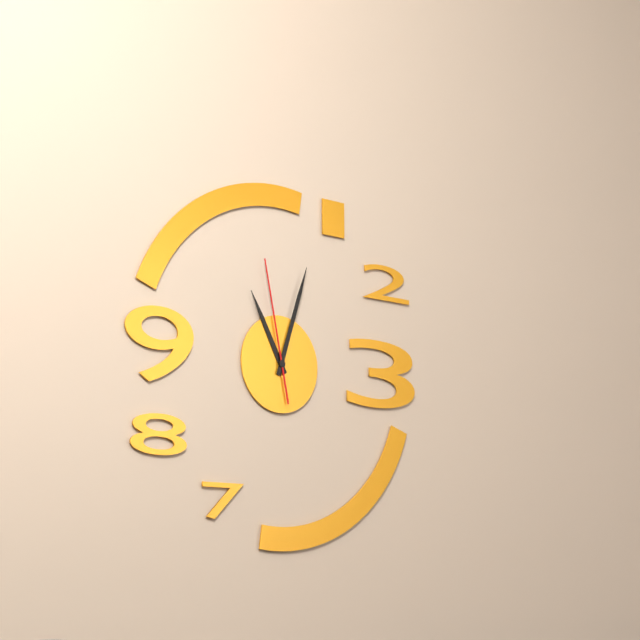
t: 11:03:58
